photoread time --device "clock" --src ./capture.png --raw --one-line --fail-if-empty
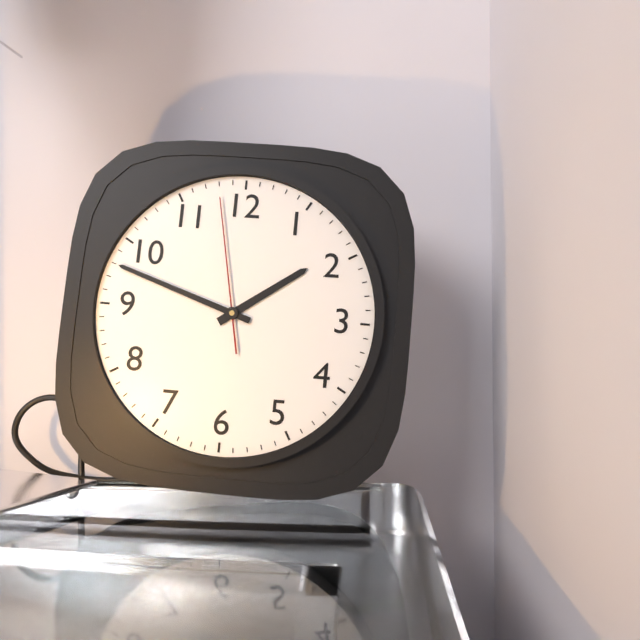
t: 1:48:58
